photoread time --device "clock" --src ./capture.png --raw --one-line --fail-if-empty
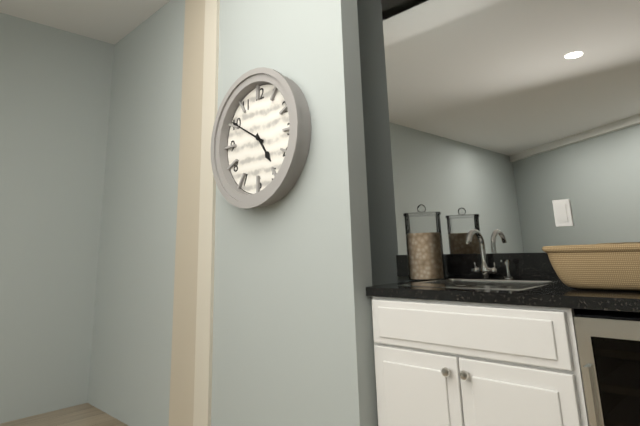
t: 4:50
